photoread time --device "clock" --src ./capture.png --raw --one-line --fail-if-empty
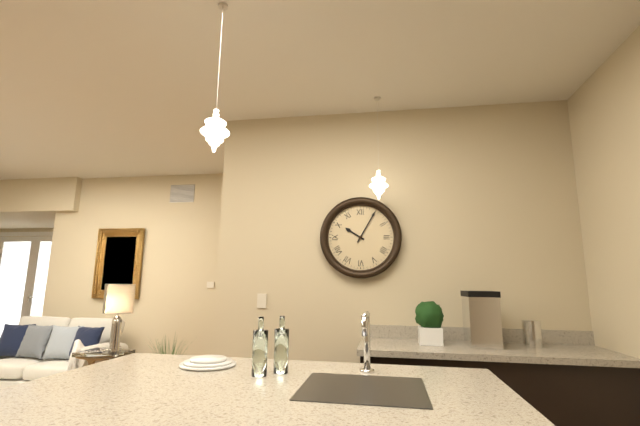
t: 10:05
